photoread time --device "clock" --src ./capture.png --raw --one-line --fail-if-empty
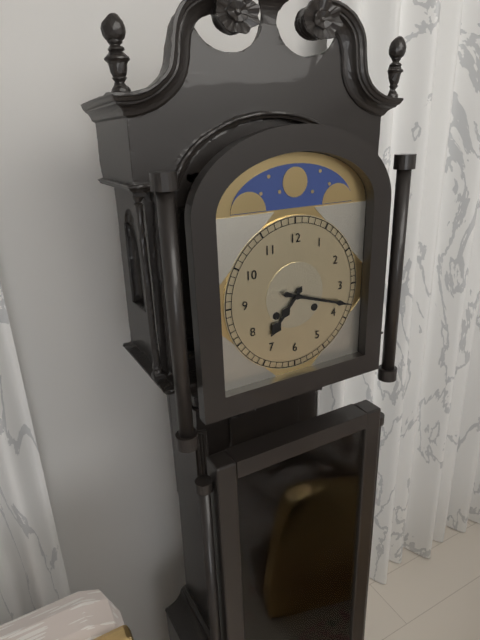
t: 7:18
